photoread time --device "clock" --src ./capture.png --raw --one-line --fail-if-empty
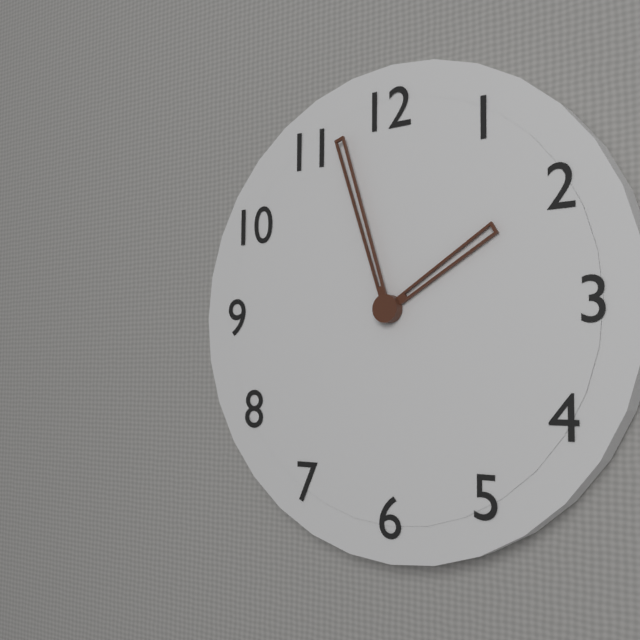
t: 1:57
